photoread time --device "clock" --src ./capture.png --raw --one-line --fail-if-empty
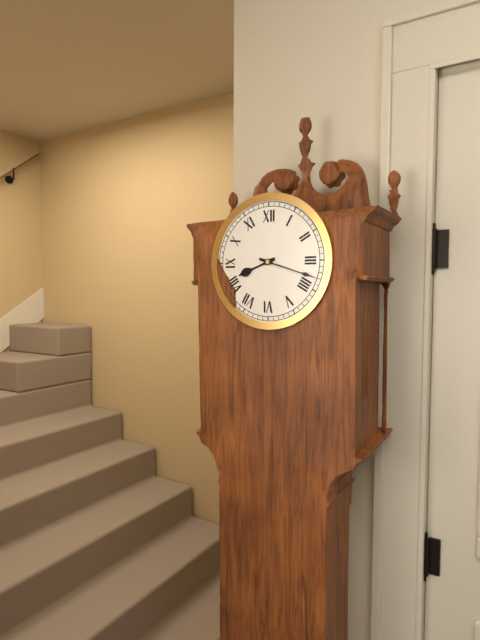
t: 8:18
